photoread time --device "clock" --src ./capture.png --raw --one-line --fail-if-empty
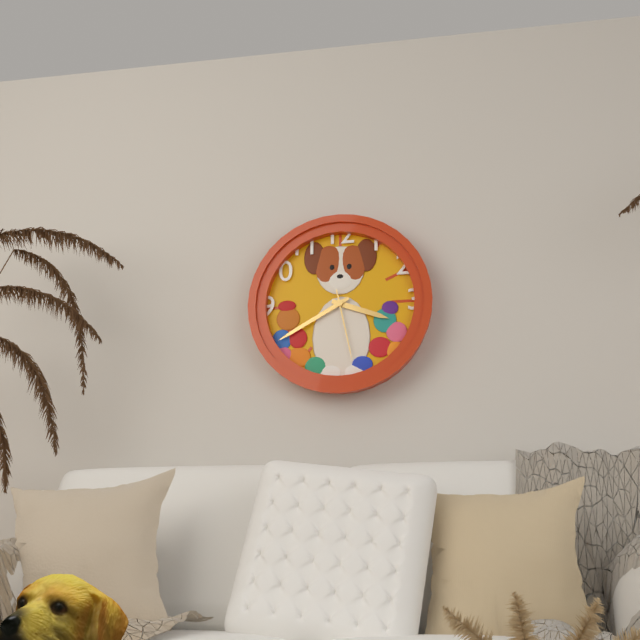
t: 3:40:28
